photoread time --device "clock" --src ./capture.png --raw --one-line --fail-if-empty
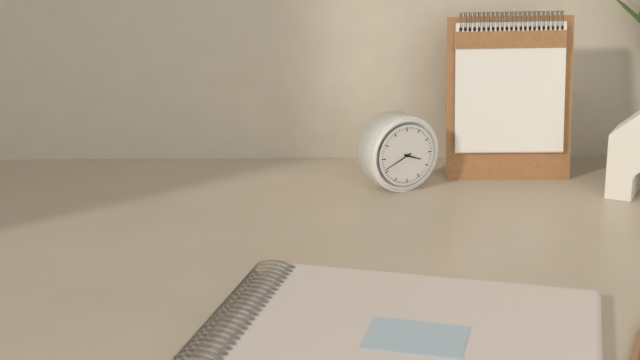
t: 3:41
